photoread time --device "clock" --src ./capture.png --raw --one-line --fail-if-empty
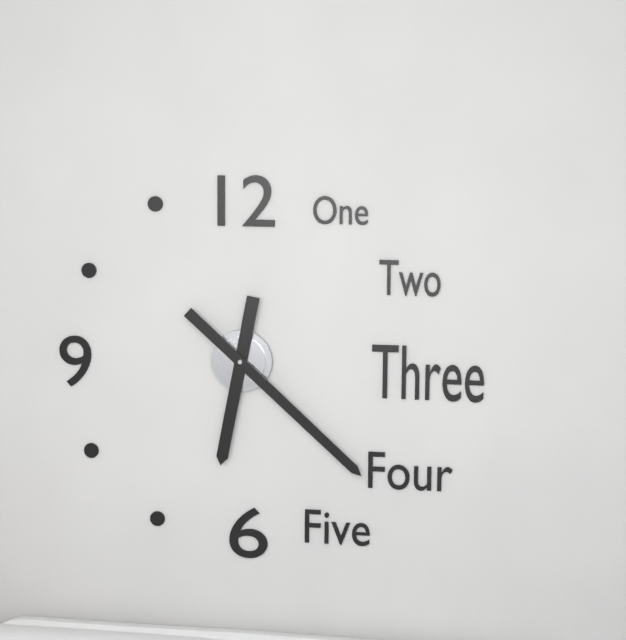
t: 6:22
